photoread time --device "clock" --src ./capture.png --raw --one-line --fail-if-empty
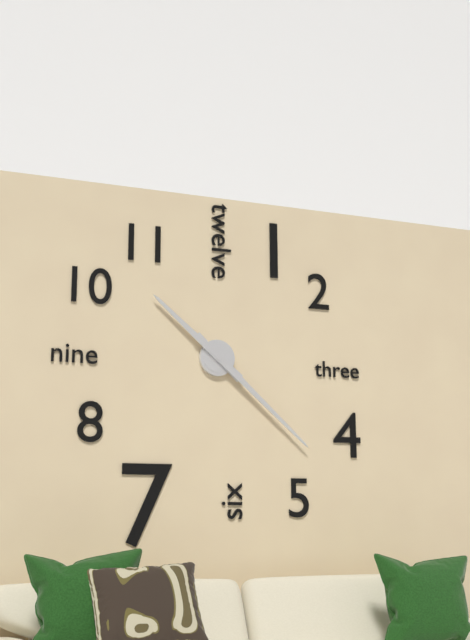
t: 10:22
